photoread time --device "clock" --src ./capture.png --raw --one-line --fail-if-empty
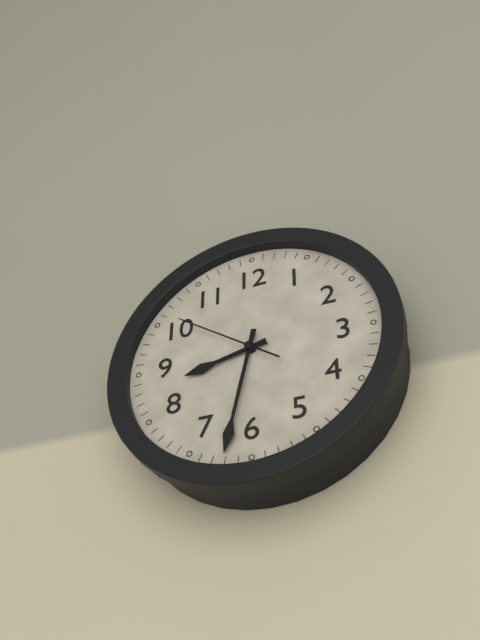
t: 8:32:51
